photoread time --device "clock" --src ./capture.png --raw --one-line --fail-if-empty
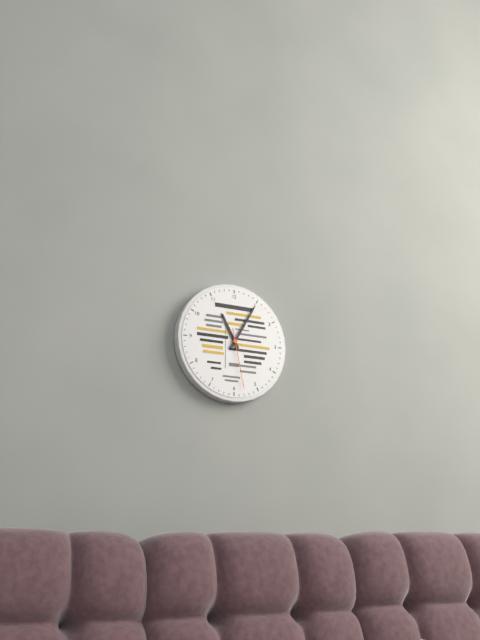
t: 11:05:28
